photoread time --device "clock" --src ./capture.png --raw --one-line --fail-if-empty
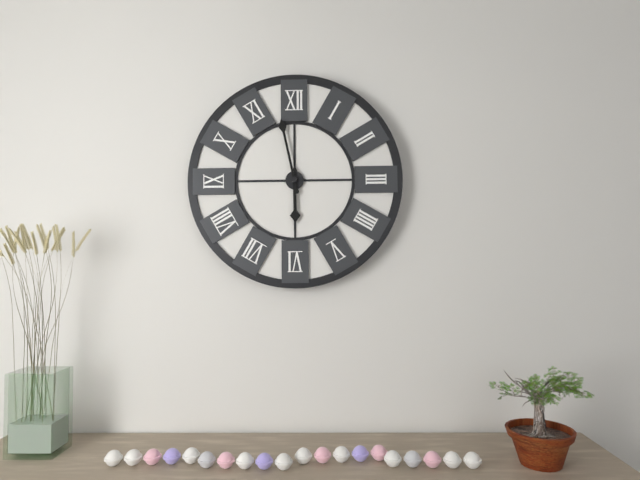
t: 5:58
